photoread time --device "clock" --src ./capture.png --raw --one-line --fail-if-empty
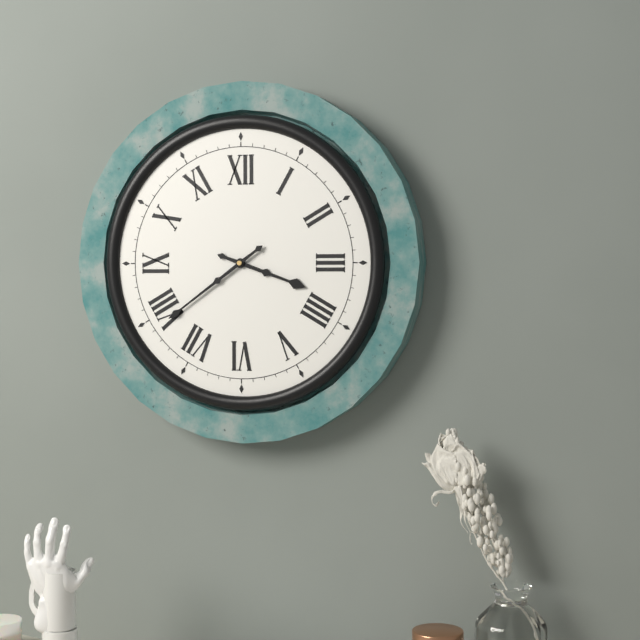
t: 3:39
